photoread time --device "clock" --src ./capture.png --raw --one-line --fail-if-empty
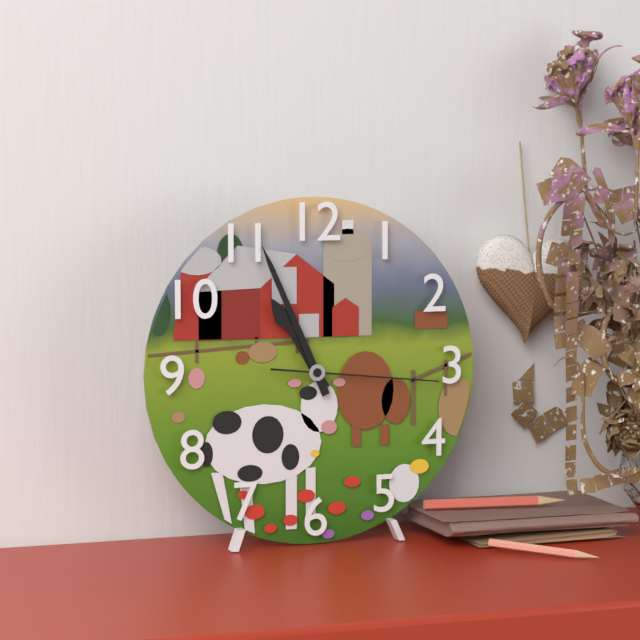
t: 10:56:16
